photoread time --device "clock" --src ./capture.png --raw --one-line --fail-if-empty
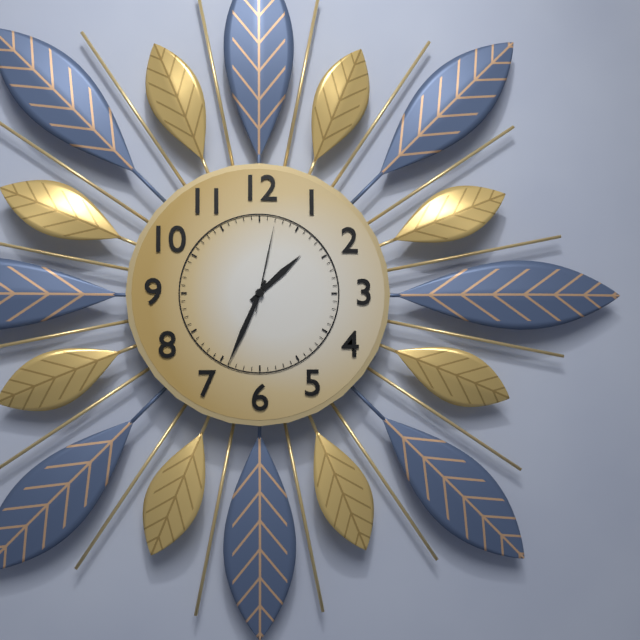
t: 1:34:02
